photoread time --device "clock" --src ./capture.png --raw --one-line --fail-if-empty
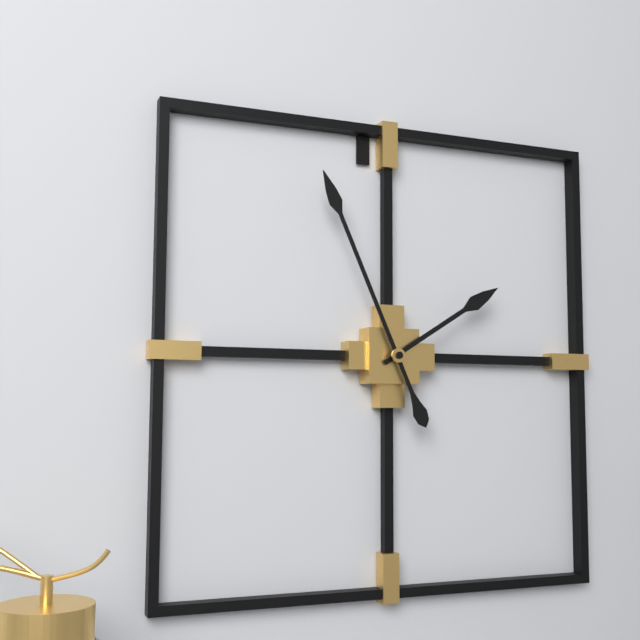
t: 1:56
